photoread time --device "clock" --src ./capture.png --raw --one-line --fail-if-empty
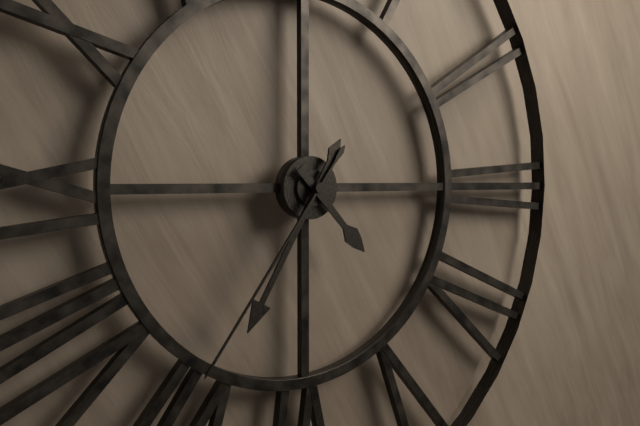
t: 4:35:36
